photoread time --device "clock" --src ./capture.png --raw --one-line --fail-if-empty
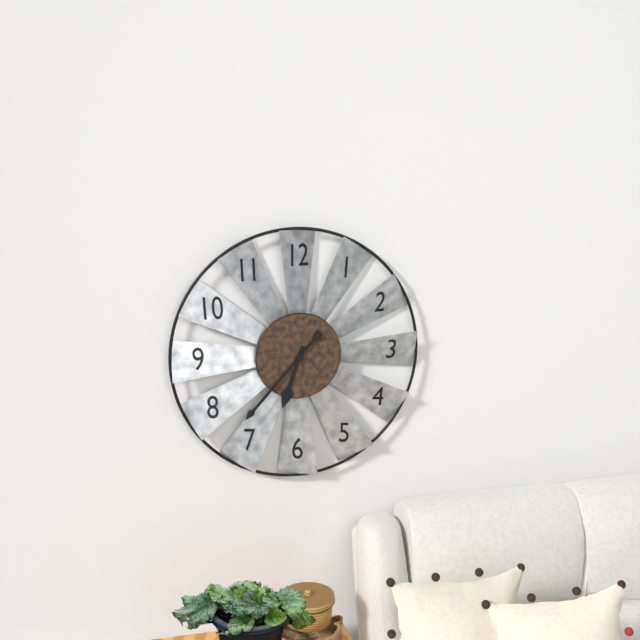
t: 6:37
